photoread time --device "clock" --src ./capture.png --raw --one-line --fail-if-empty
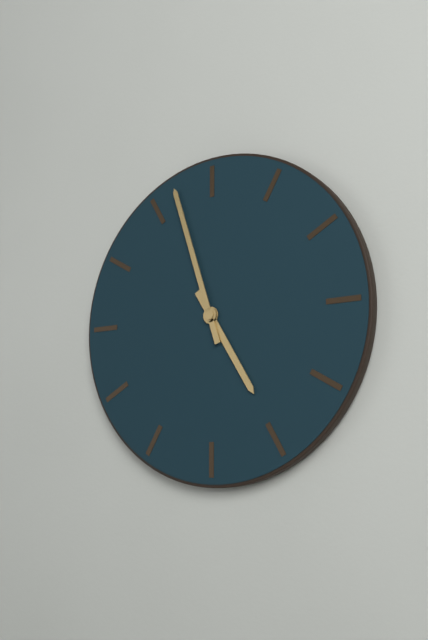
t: 4:57
